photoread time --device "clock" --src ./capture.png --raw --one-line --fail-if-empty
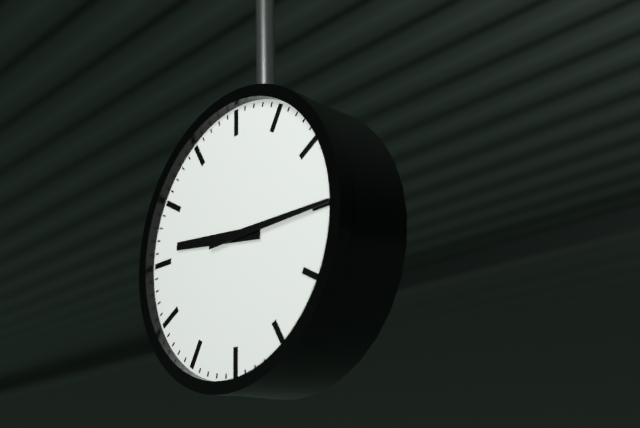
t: 9:15
